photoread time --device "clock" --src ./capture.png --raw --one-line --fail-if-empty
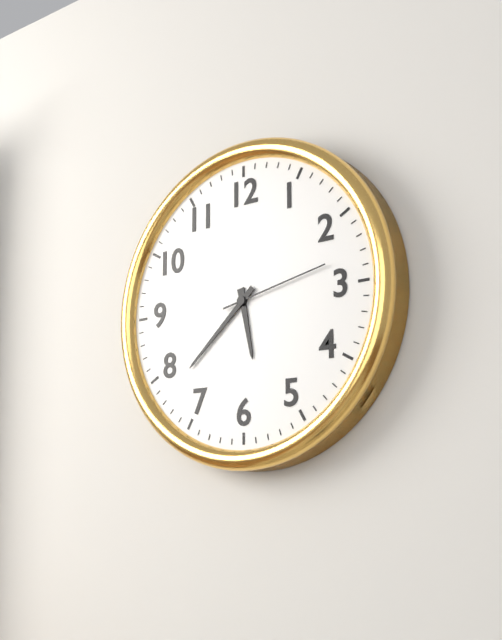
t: 5:38:13
